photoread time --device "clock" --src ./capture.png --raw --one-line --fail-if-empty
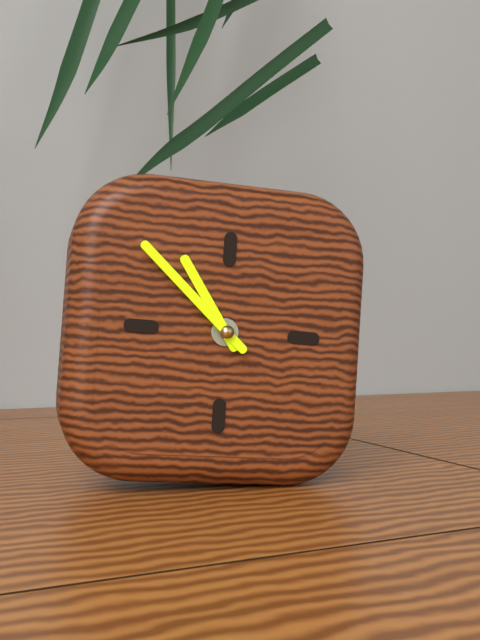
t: 10:52
